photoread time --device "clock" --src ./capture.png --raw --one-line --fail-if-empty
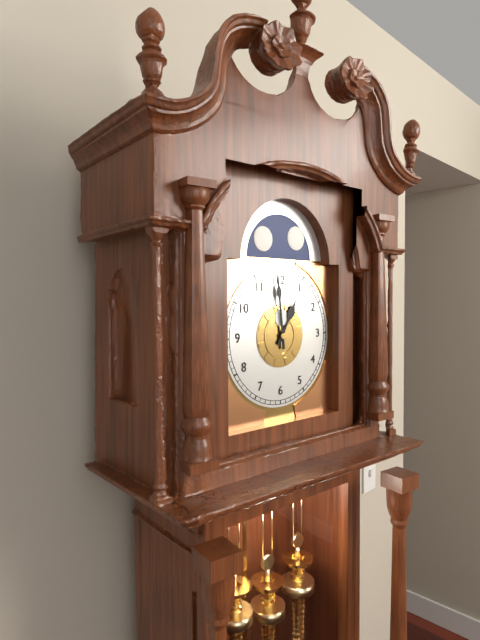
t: 12:59
